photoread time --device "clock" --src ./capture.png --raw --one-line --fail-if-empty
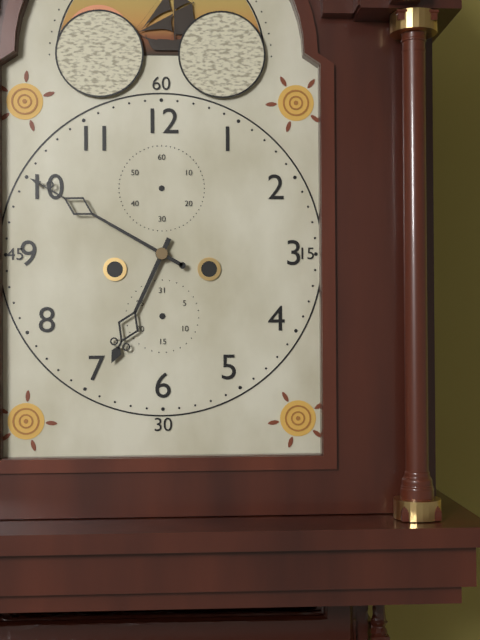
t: 6:50
